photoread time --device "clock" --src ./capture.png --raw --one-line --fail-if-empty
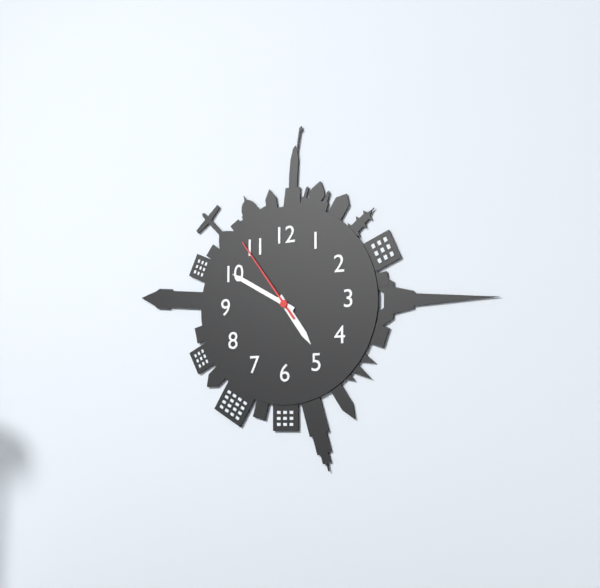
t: 4:50:54
